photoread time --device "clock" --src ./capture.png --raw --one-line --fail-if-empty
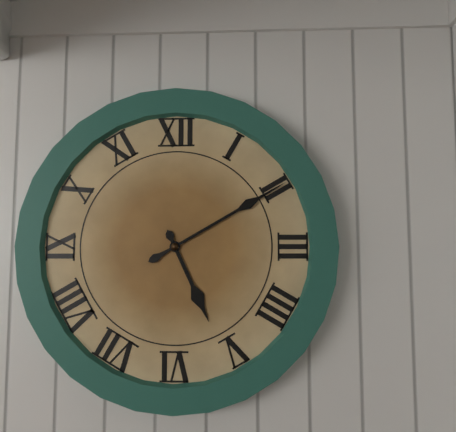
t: 5:10
